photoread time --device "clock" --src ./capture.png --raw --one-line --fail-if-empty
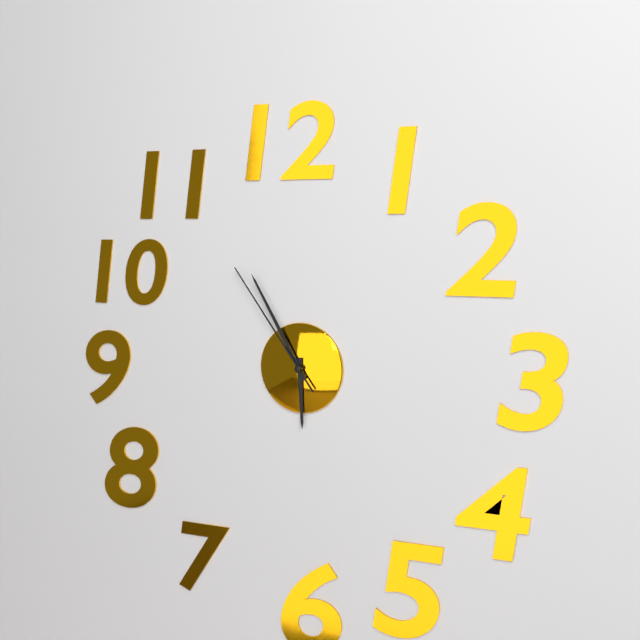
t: 5:55:54
